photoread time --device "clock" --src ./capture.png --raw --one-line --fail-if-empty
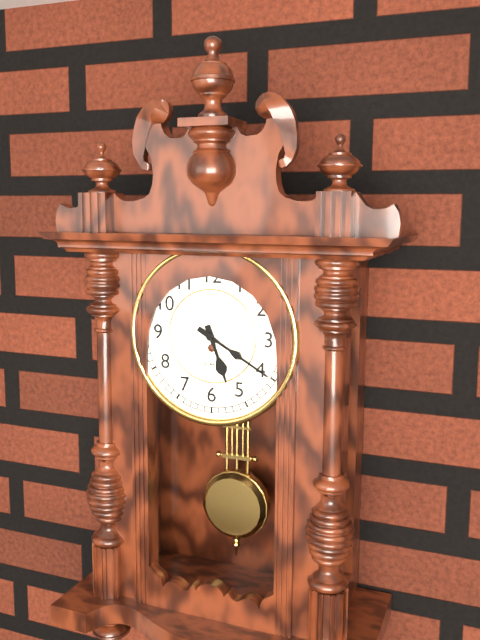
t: 5:20
